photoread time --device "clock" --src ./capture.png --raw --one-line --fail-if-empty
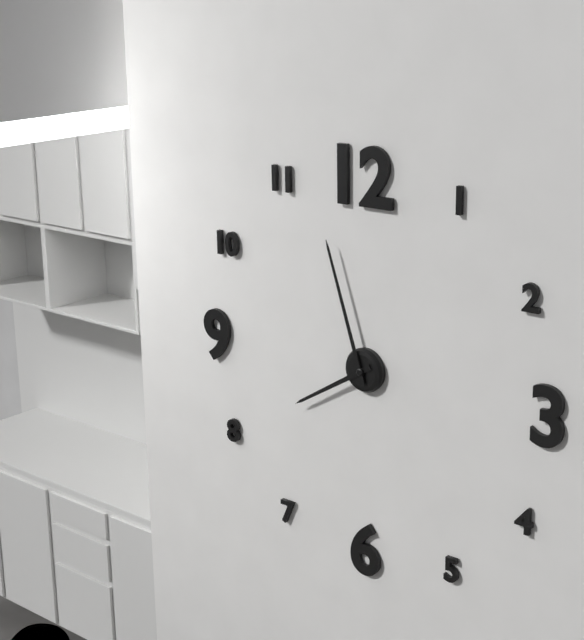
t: 7:57
